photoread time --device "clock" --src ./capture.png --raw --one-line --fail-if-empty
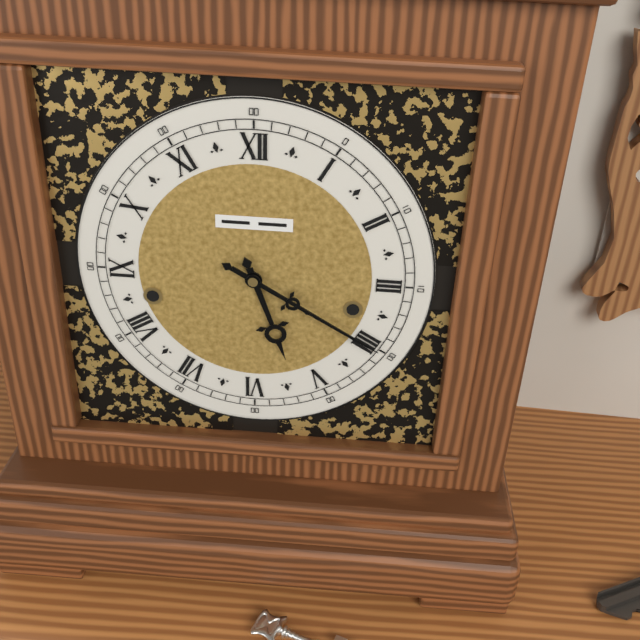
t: 5:20
